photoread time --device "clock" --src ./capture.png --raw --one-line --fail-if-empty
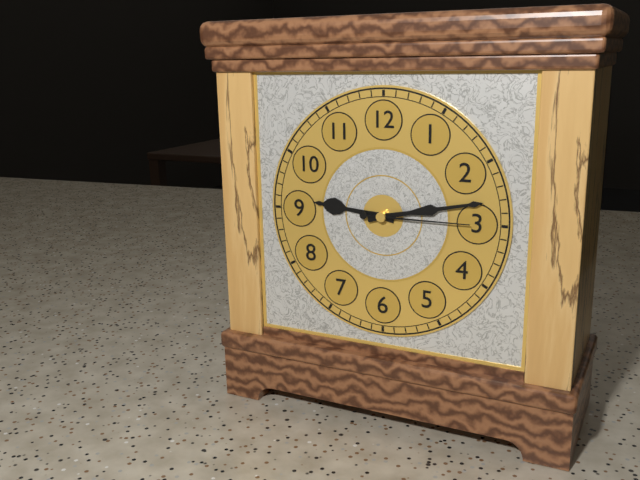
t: 9:13:15
